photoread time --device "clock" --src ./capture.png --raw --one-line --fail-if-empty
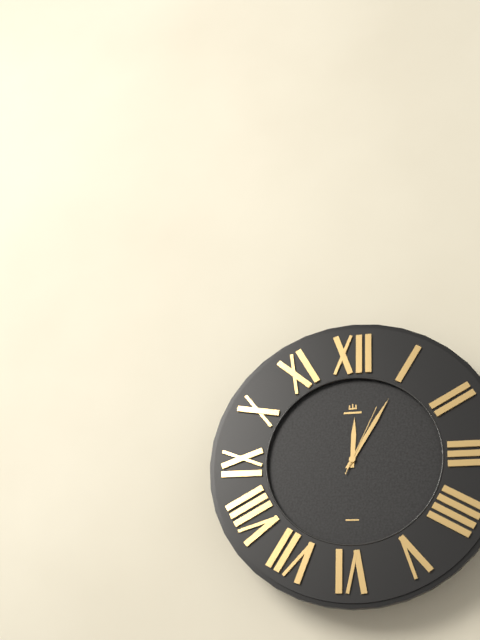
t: 12:05:04
